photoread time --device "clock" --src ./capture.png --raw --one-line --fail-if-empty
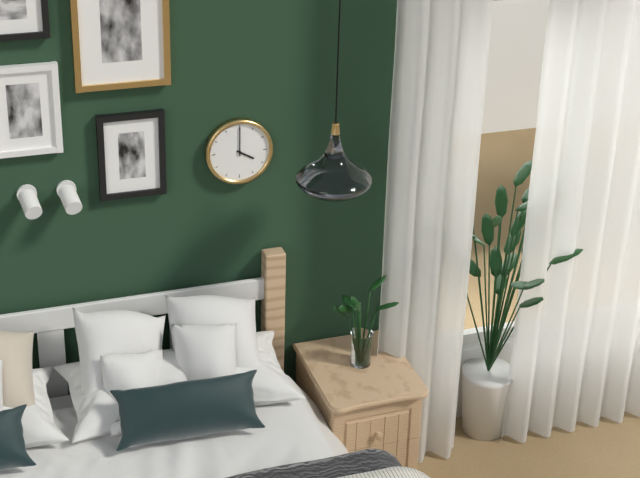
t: 4:00
